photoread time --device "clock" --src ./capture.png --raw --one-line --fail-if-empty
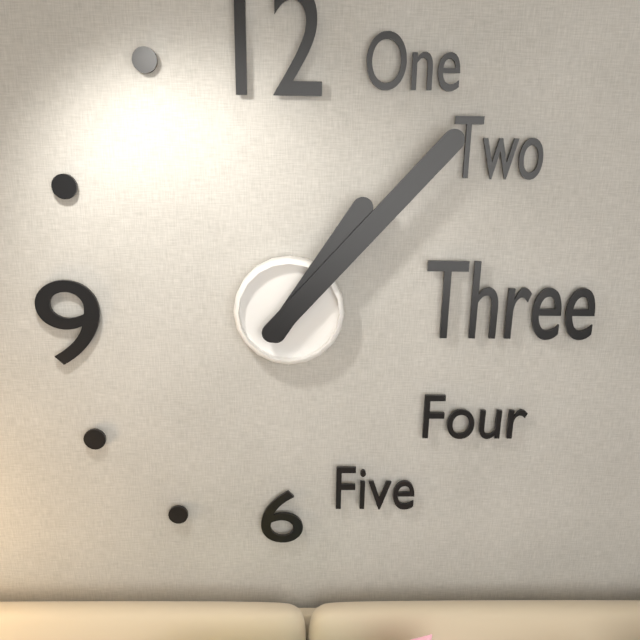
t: 1:07
